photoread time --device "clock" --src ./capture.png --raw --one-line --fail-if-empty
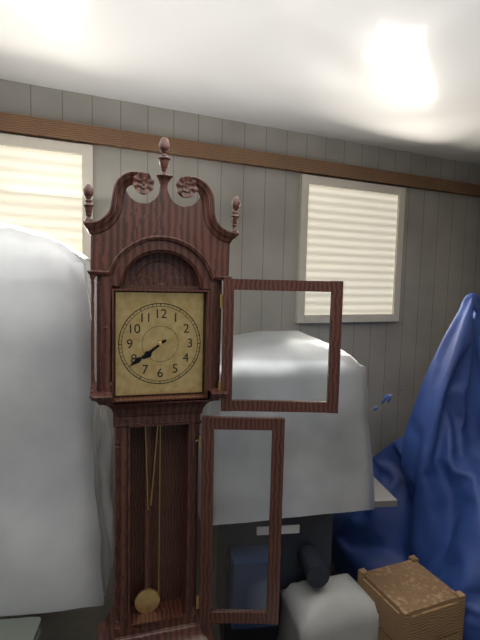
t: 7:39
